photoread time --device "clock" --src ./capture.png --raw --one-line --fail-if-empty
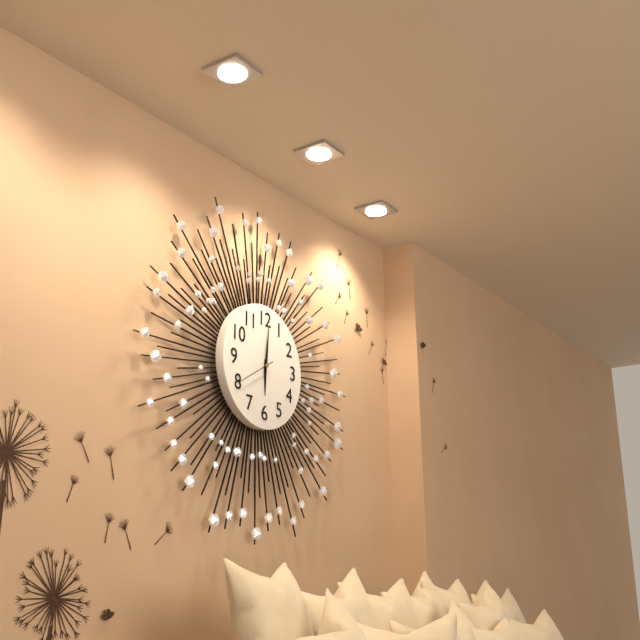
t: 6:01
